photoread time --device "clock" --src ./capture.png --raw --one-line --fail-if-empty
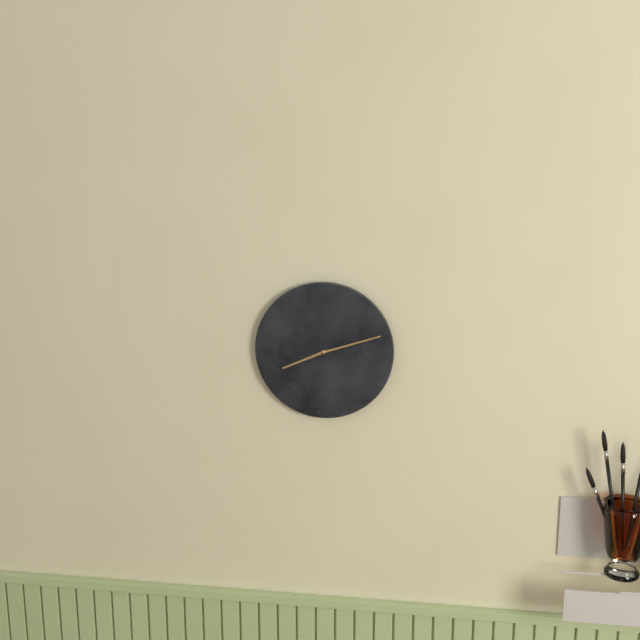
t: 8:12
